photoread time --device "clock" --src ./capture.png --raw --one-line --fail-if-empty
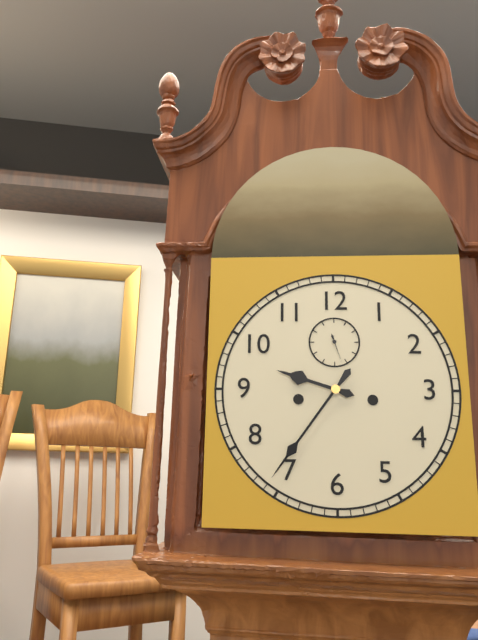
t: 9:36
